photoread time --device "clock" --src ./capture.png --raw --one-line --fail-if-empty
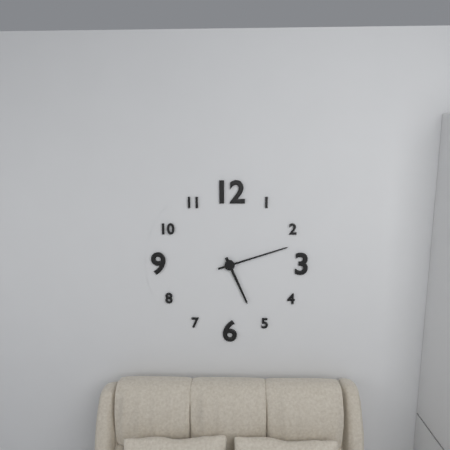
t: 5:12
